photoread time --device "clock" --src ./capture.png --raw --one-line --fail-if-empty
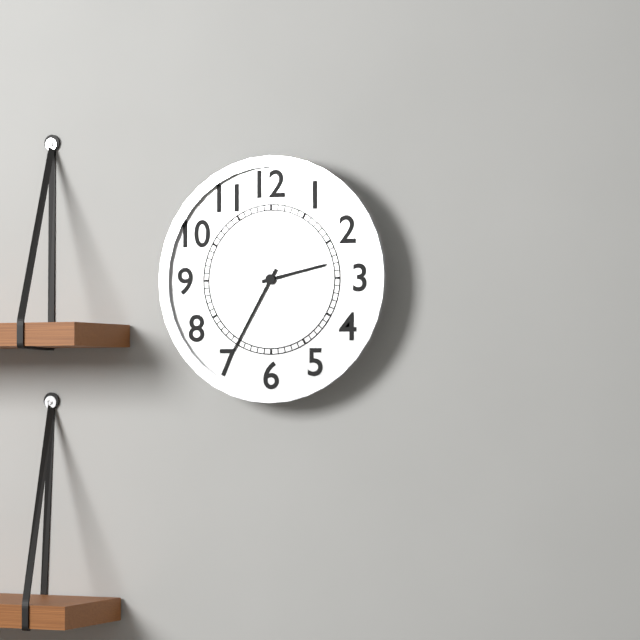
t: 2:35
